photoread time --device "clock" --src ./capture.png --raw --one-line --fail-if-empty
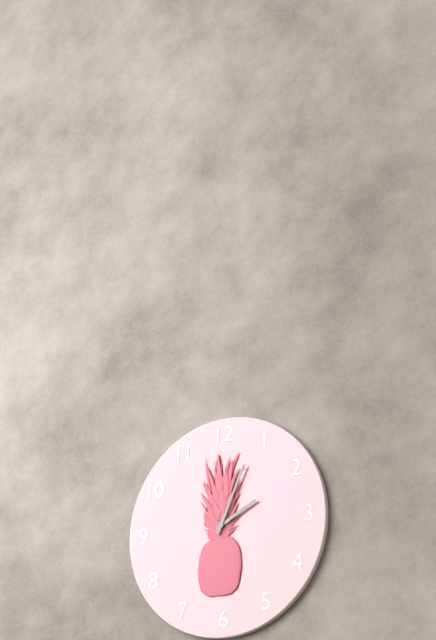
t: 2:04
